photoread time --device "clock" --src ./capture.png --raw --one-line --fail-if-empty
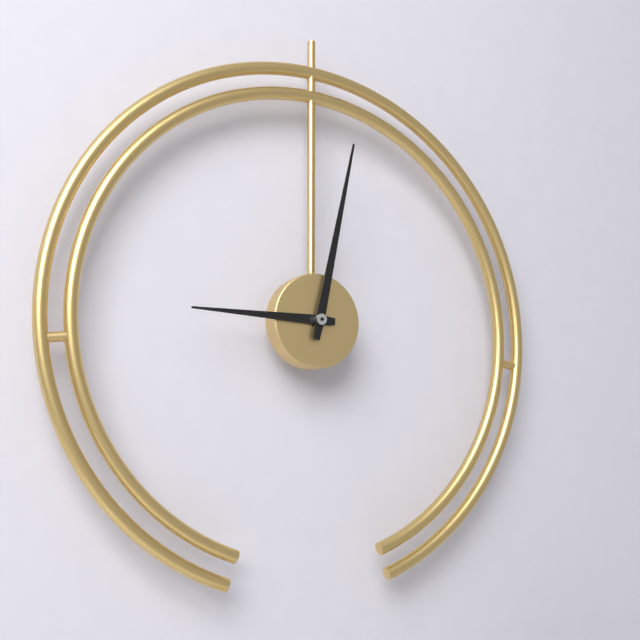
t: 9:02
